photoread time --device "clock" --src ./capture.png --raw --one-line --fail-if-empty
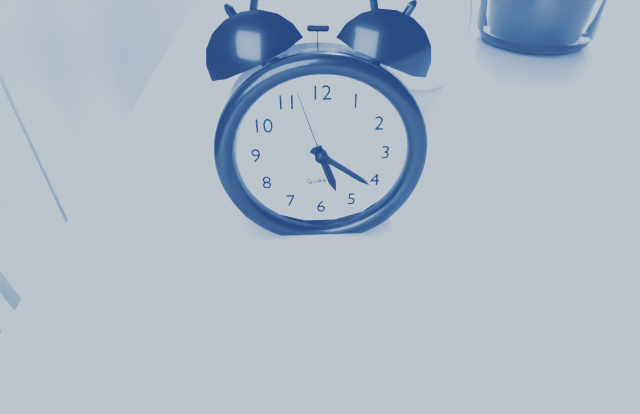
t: 5:21:57
